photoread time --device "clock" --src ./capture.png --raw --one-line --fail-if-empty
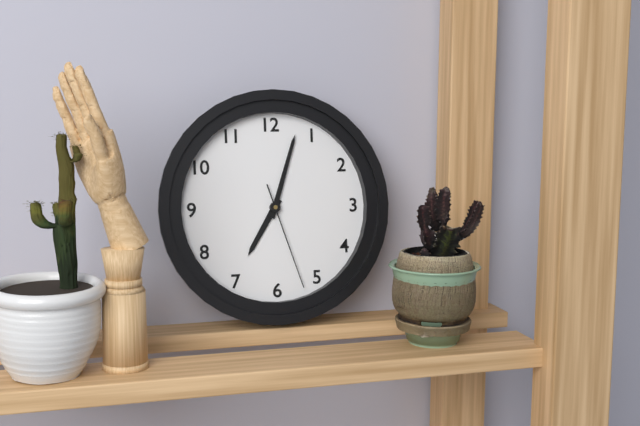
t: 7:03:27
